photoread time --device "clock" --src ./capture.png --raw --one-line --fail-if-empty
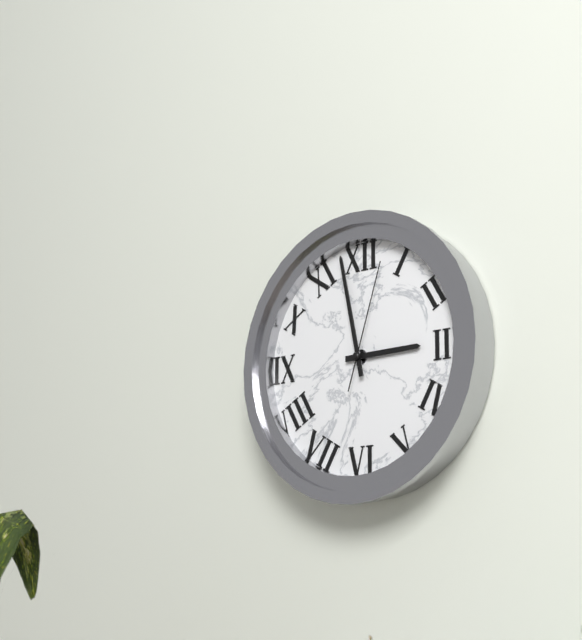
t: 2:58:03
